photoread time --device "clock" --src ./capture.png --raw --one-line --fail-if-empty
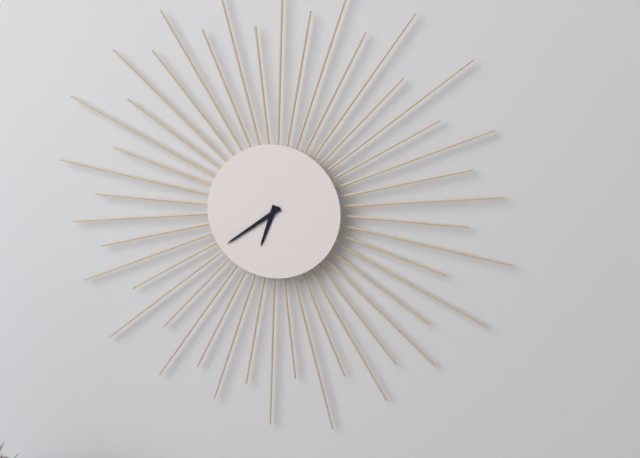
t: 6:39
